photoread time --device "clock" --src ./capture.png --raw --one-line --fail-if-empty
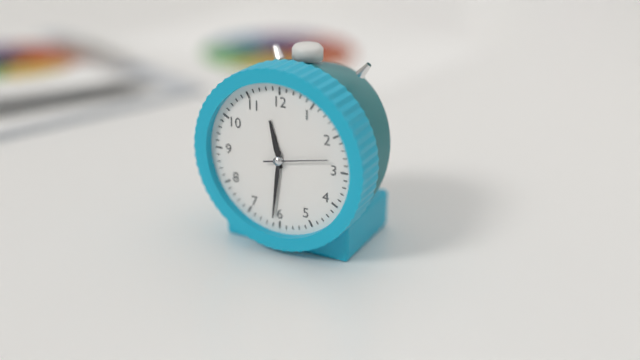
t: 11:31:13
